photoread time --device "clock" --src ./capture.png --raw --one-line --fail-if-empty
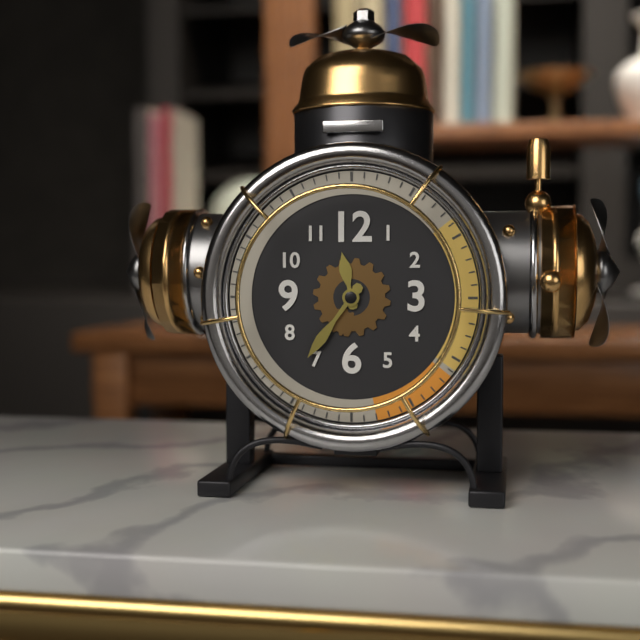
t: 11:36
